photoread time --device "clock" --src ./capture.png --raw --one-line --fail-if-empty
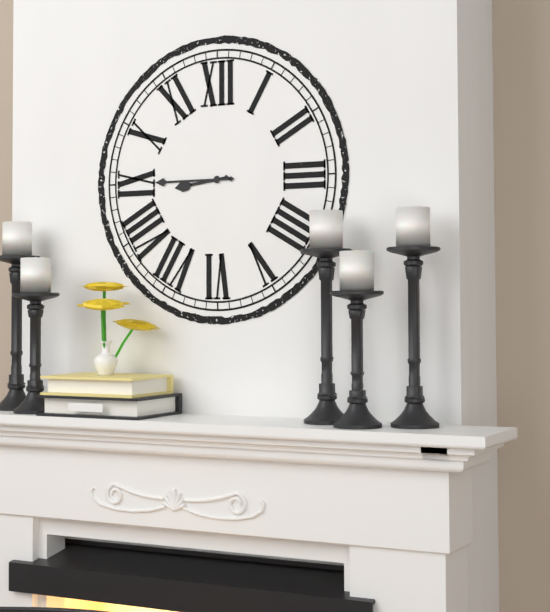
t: 8:45
